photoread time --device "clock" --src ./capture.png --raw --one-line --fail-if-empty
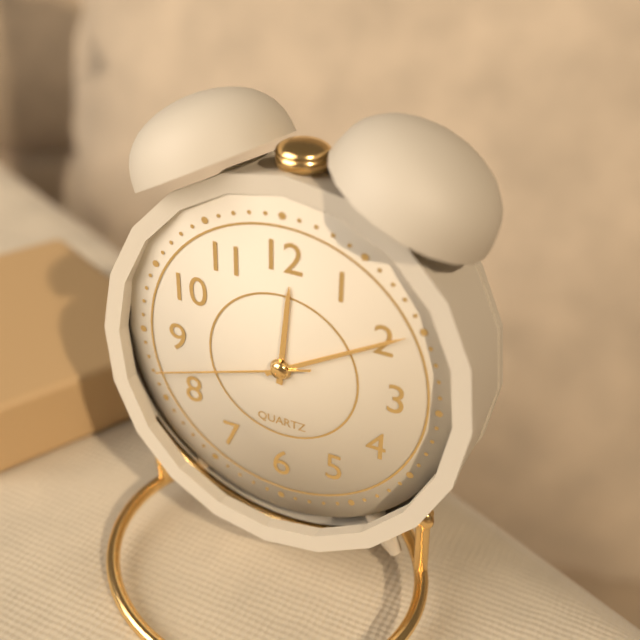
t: 12:10:42
